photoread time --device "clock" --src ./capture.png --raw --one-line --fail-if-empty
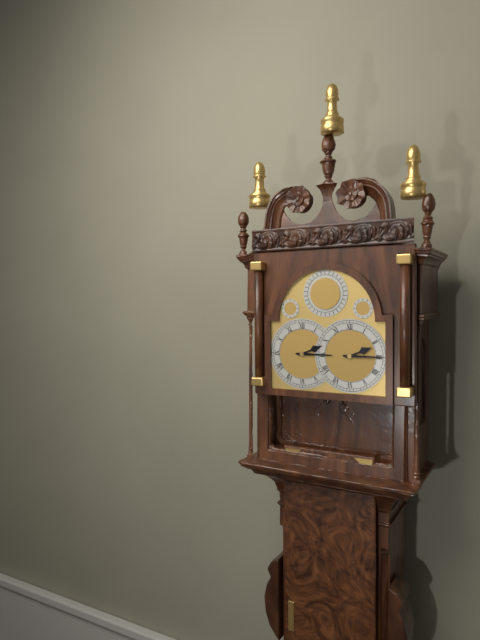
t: 2:15
